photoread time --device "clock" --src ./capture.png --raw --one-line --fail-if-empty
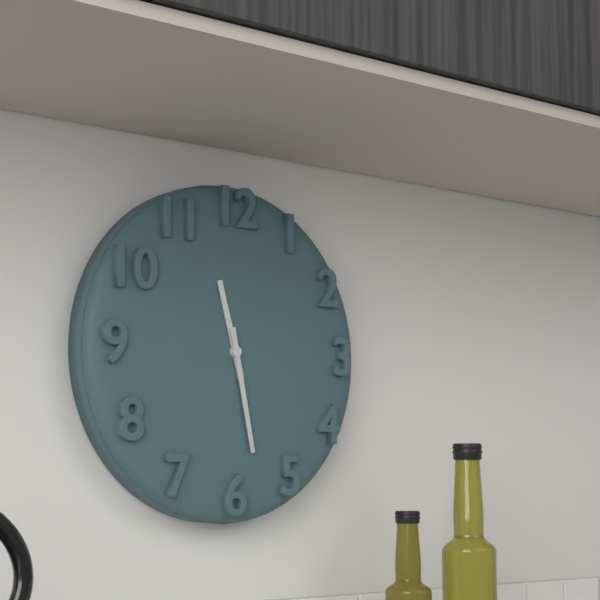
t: 11:28
